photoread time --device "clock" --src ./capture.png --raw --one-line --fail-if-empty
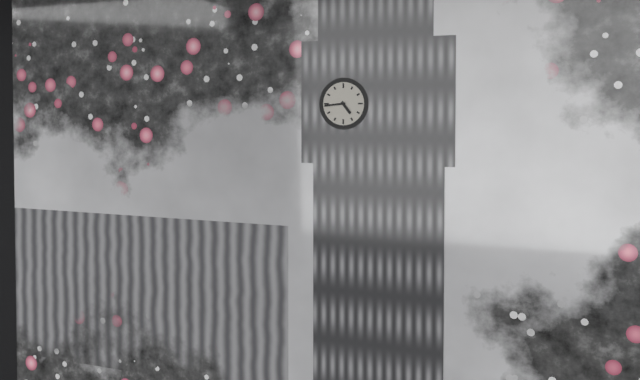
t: 4:44
